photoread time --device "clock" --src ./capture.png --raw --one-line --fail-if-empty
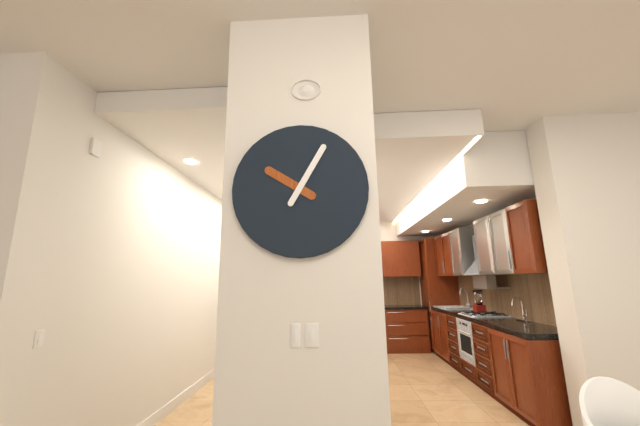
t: 10:05
